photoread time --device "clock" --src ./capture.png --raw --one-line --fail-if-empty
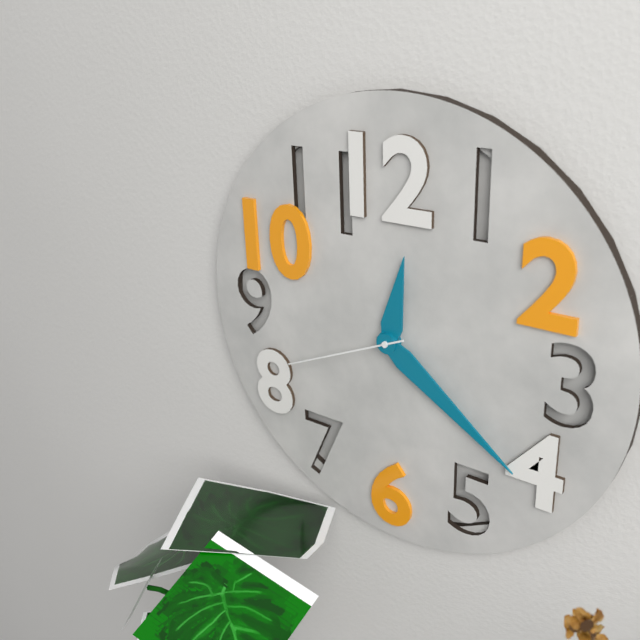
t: 12:21:41
